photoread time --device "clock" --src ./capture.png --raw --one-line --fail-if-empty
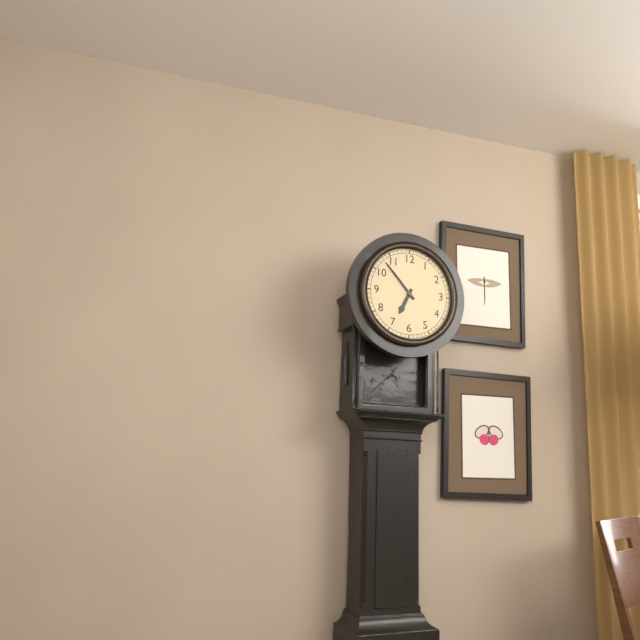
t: 6:53
